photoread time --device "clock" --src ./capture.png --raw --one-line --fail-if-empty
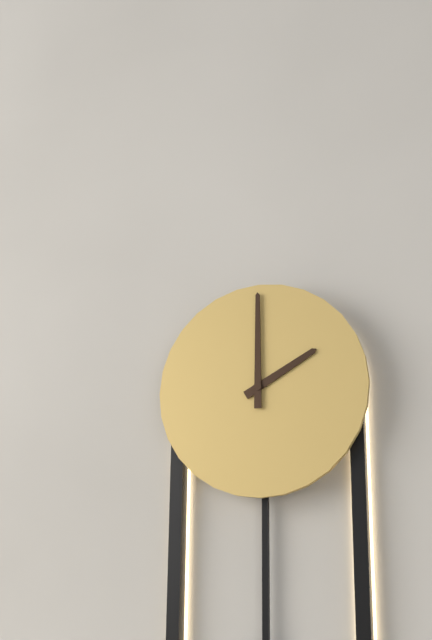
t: 2:00
